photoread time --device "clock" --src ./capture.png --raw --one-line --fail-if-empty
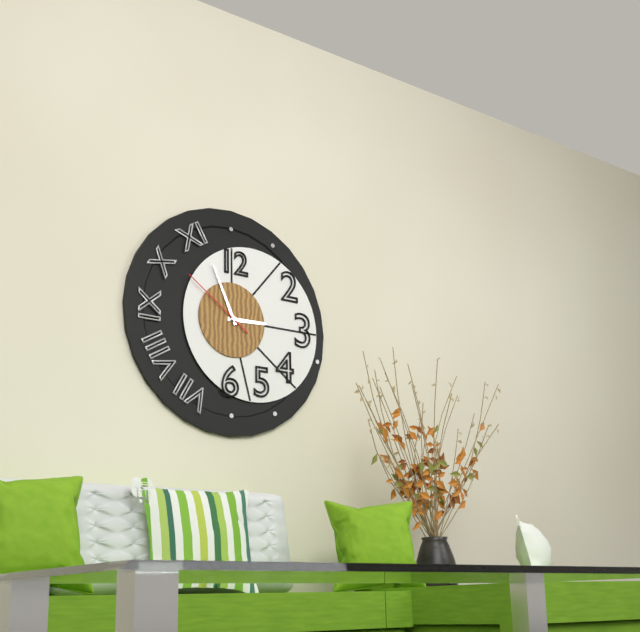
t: 2:56:51
